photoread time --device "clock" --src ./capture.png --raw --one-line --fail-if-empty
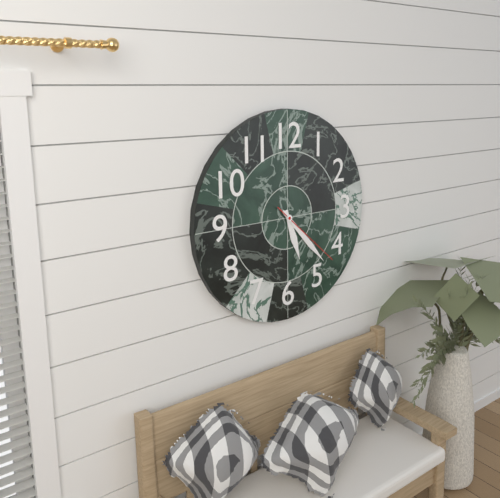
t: 5:23:22
